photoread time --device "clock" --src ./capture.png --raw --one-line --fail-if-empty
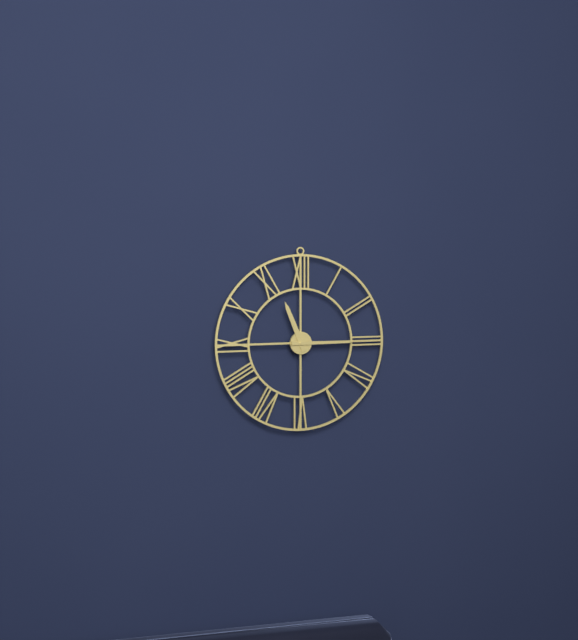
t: 11:15
